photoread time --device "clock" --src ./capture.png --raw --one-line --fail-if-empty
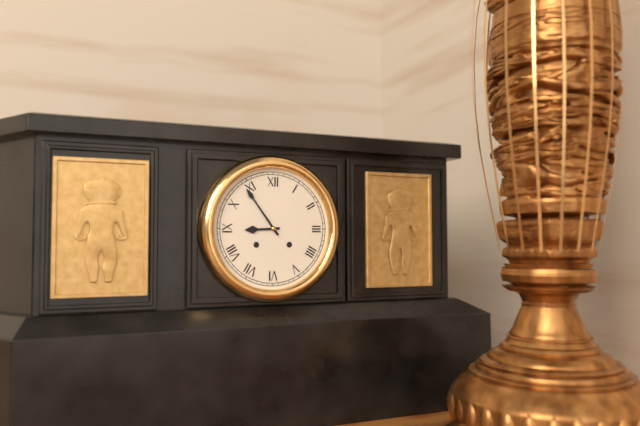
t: 8:54
